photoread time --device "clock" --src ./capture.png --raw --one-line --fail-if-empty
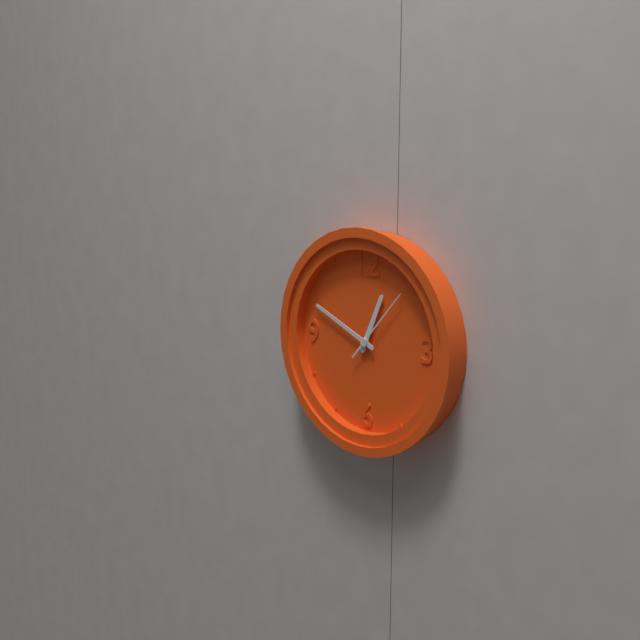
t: 12:49:07
